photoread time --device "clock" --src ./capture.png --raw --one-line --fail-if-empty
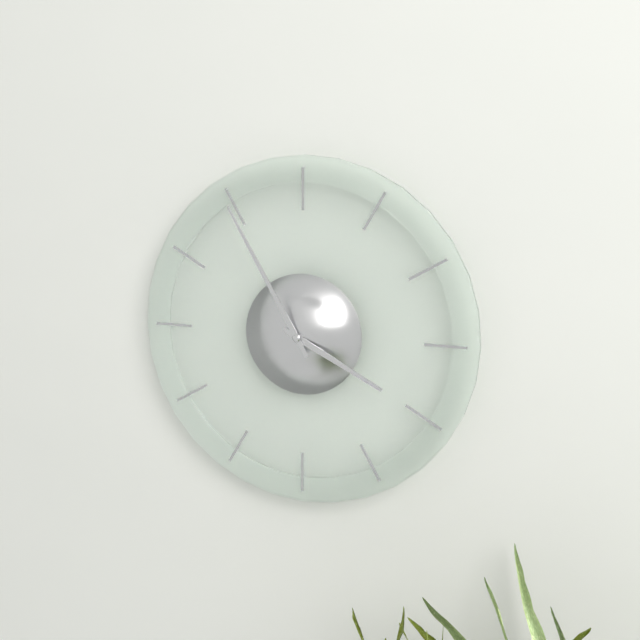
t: 3:55
